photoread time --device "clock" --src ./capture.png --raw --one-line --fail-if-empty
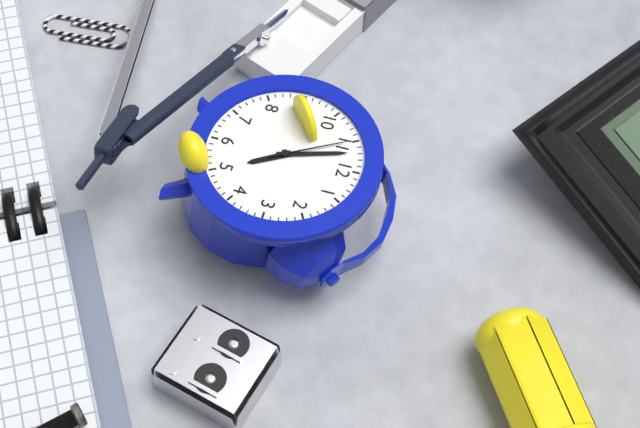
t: 4:57:55
